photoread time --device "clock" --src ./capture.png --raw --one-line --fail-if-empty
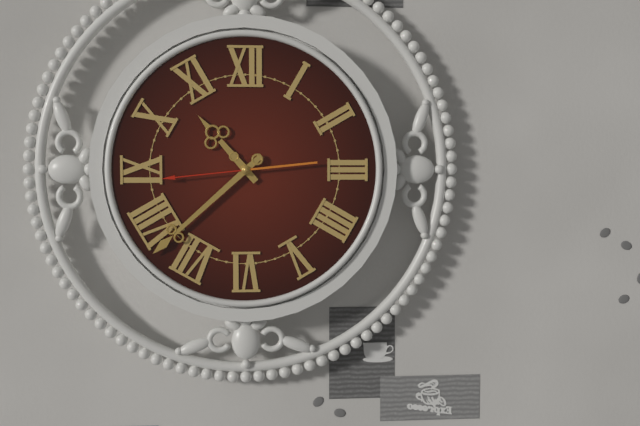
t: 10:38:44
